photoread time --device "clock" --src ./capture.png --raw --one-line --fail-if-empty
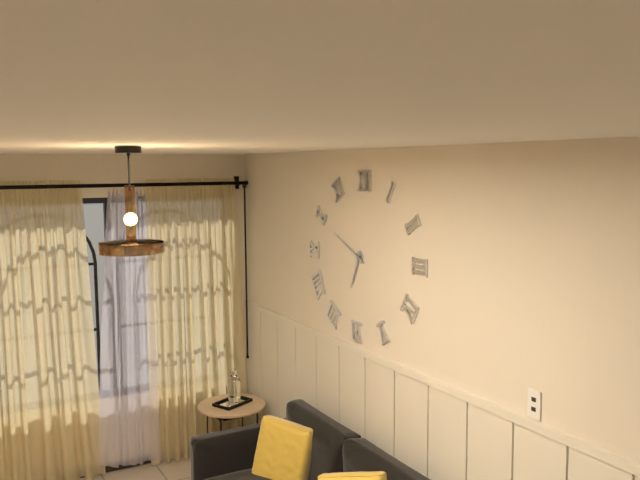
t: 6:49
